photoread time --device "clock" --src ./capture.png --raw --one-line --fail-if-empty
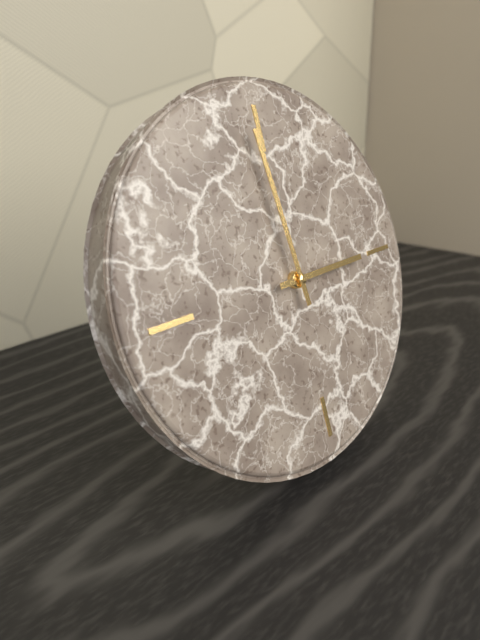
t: 2:59
